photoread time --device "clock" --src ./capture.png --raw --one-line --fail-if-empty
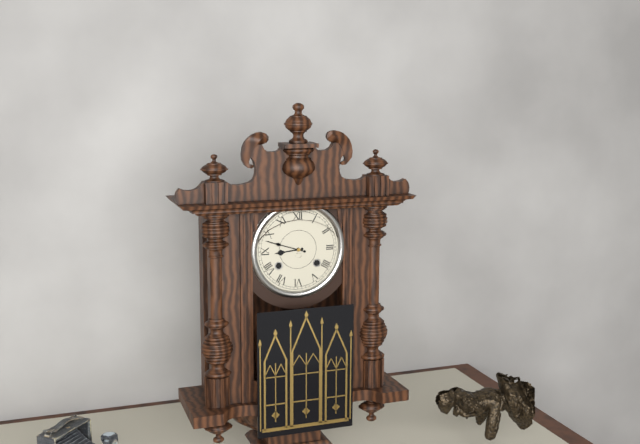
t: 8:48
